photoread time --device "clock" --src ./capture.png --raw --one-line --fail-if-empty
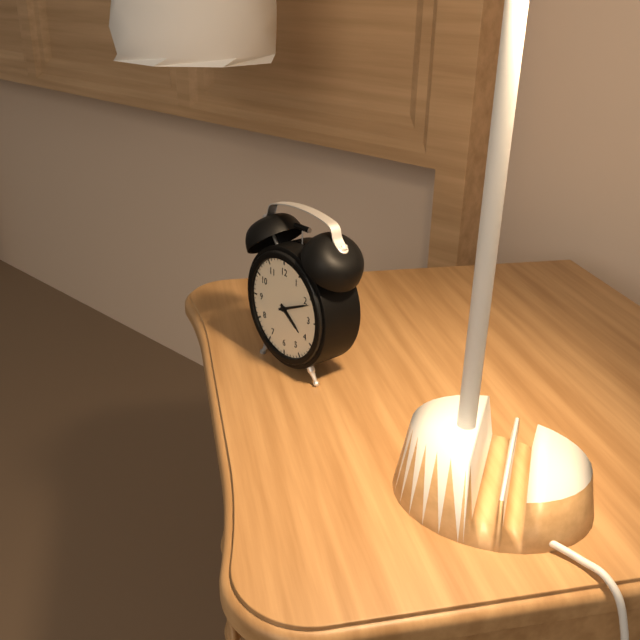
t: 4:11
